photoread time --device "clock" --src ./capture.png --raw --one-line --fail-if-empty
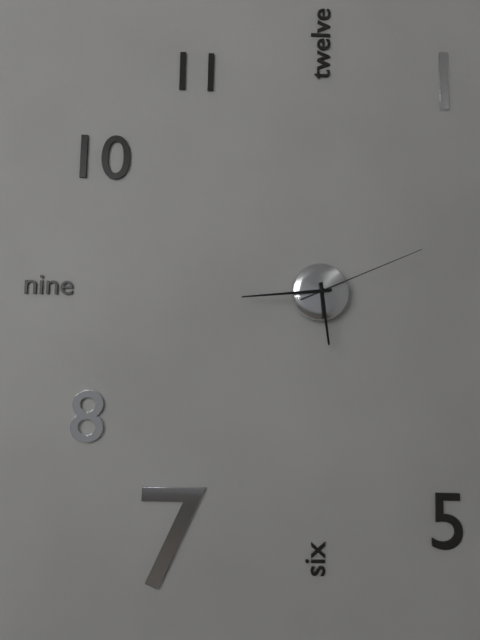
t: 5:44:11
